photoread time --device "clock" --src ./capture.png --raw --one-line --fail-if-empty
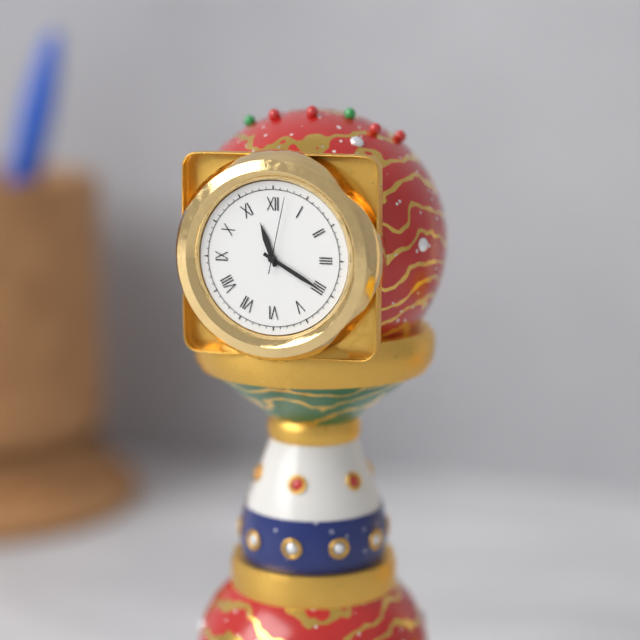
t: 11:20:02
